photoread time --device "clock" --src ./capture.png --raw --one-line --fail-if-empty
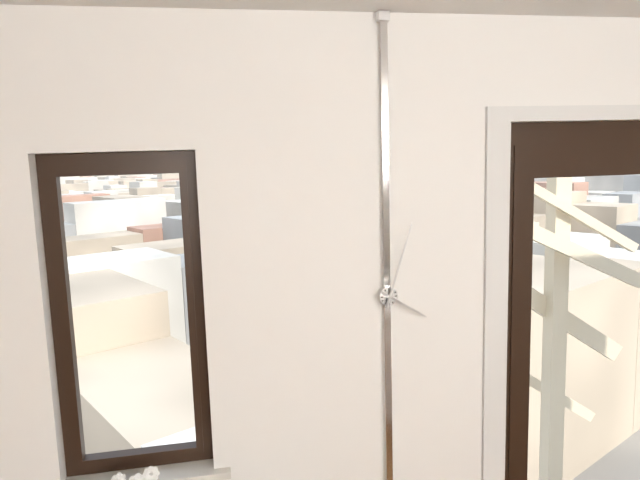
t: 4:03
